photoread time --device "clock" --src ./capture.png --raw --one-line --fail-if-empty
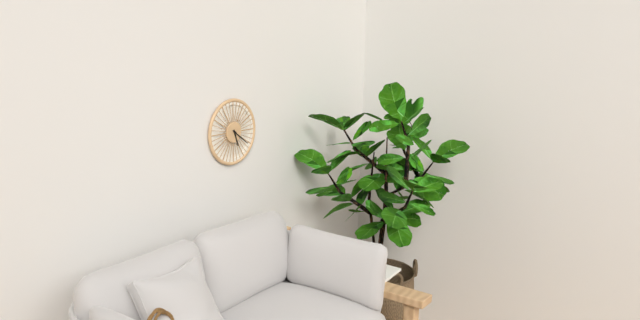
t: 5:21
